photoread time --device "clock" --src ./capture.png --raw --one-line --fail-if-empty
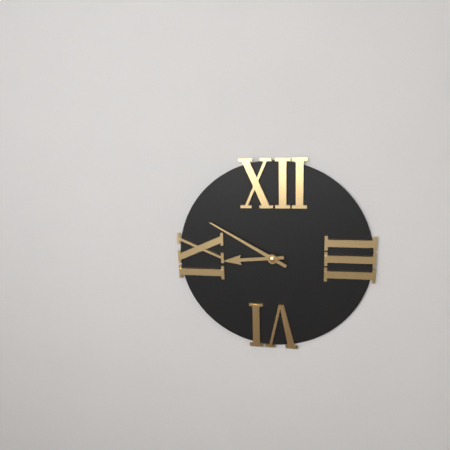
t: 8:50
